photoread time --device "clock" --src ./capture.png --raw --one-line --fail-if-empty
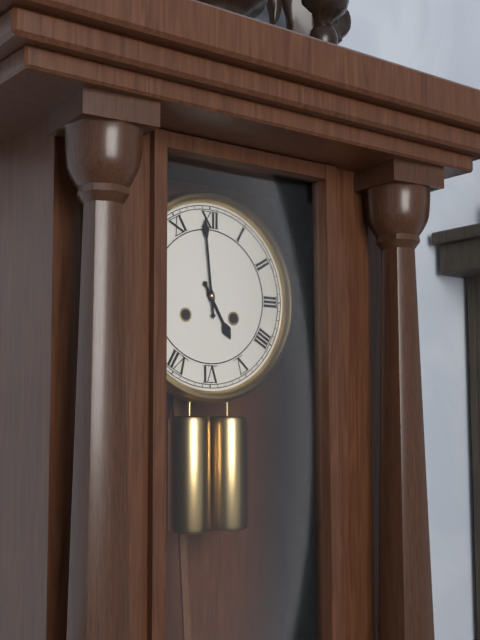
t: 4:59
